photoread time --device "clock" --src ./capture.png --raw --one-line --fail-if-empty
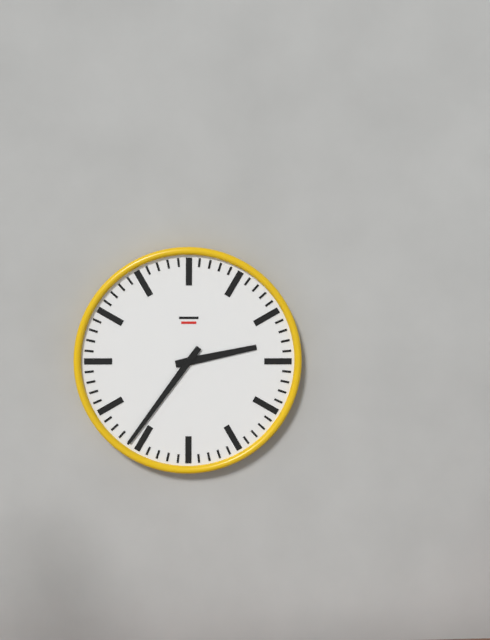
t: 2:36
